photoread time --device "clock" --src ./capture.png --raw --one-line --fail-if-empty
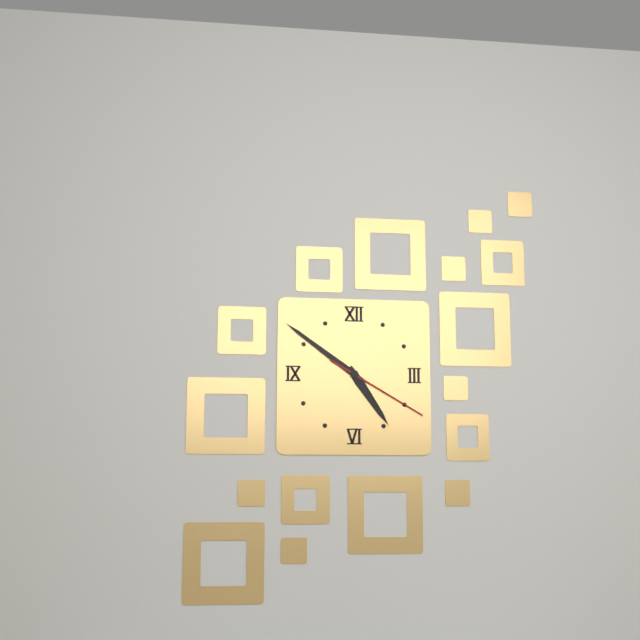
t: 4:51:20
